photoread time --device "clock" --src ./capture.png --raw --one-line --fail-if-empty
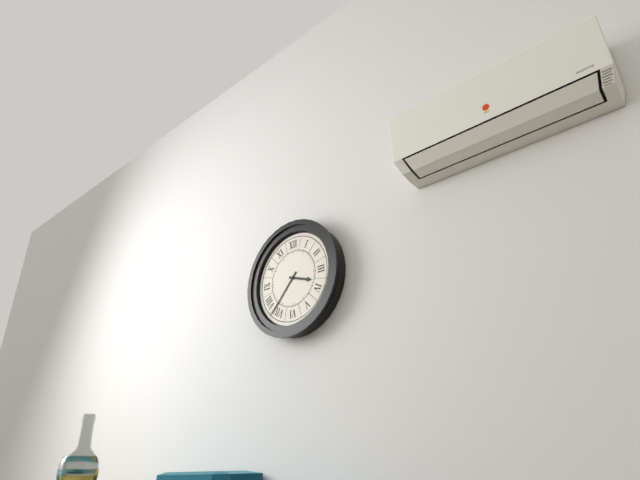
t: 3:37
